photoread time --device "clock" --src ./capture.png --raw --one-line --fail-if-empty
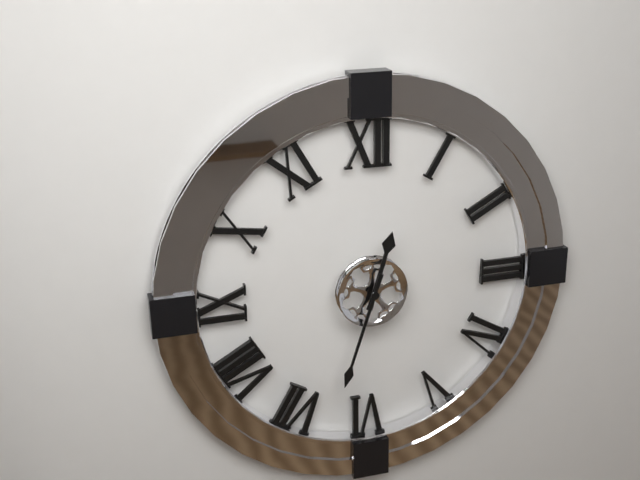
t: 12:33
